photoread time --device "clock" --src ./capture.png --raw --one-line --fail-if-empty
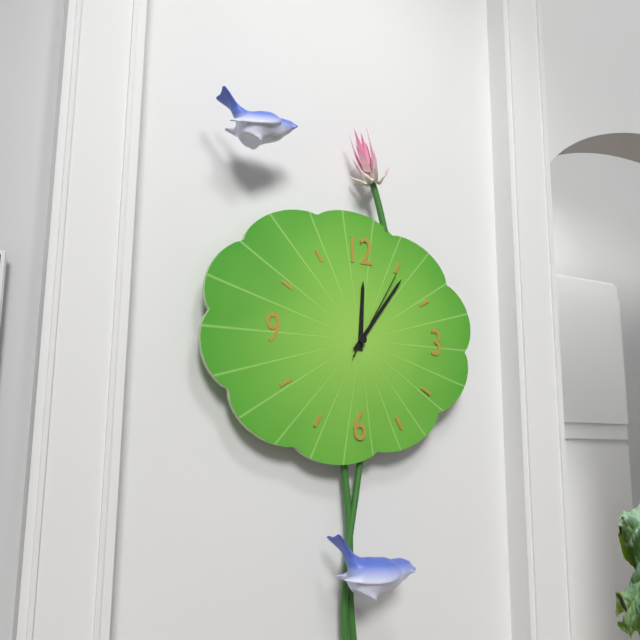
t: 12:06:05
